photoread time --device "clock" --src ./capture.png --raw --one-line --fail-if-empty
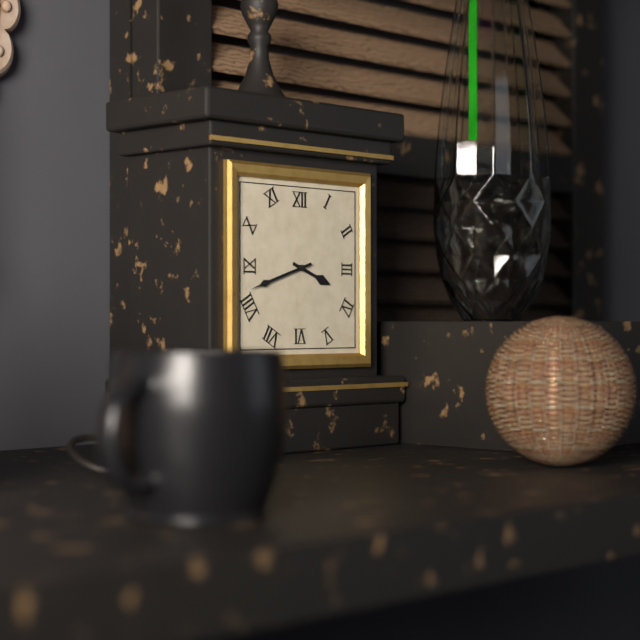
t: 3:42
